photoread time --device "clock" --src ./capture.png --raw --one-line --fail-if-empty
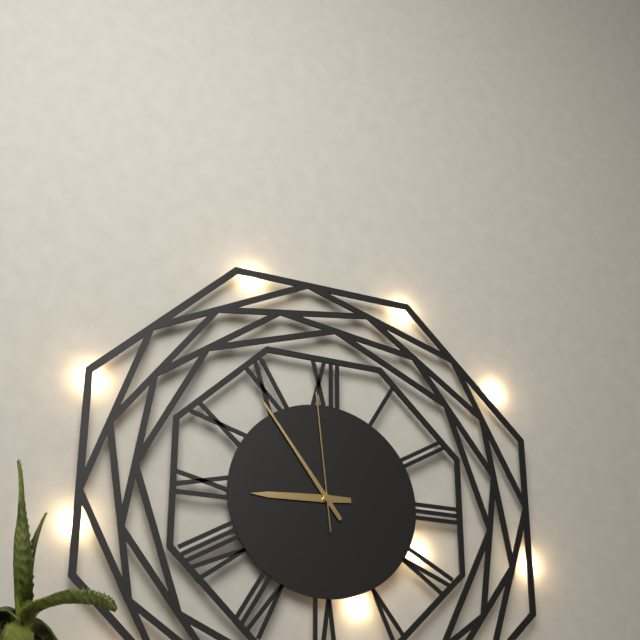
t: 8:54:59
